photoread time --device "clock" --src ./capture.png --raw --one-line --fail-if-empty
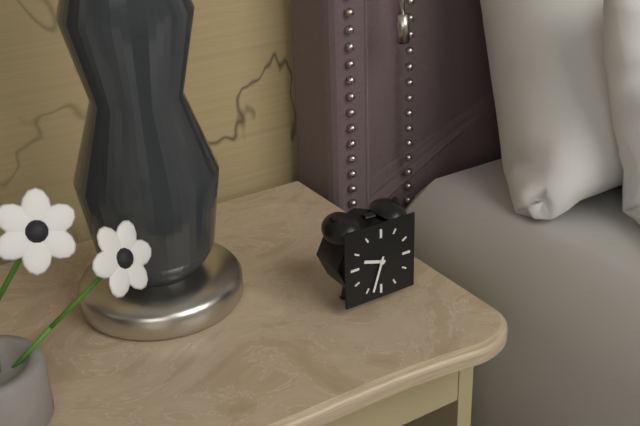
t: 9:33
